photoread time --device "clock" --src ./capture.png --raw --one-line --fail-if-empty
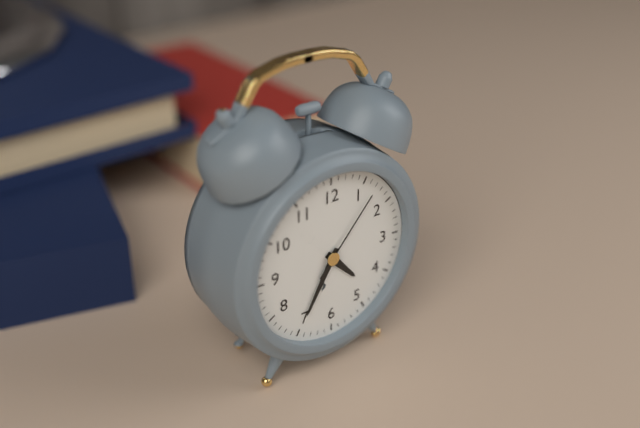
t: 4:35:07
